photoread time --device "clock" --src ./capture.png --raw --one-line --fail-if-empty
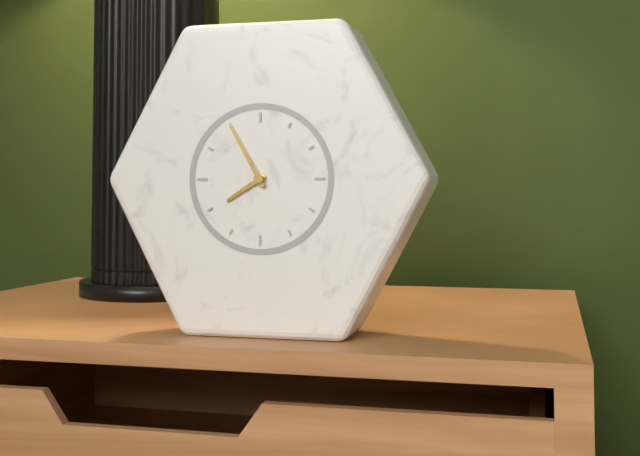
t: 7:55
